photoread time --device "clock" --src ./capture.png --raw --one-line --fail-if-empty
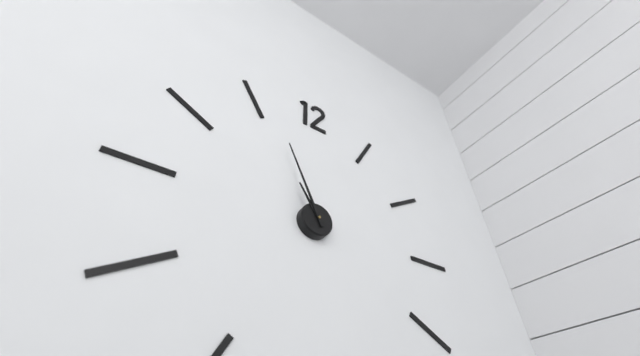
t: 10:56
